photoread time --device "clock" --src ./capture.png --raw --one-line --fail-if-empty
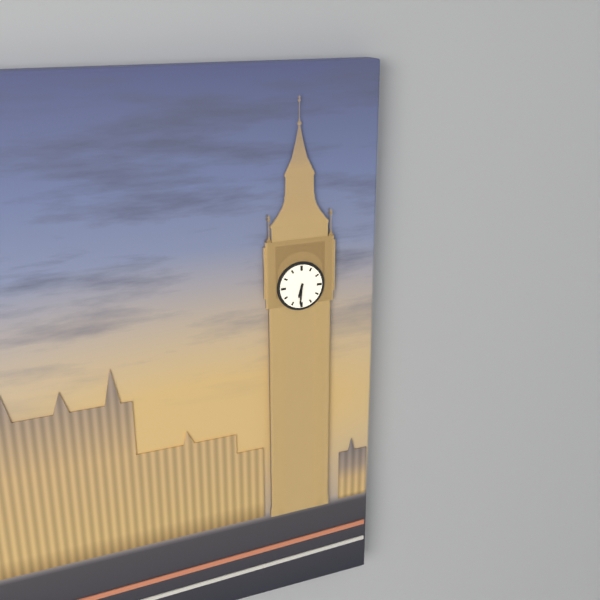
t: 6:31
